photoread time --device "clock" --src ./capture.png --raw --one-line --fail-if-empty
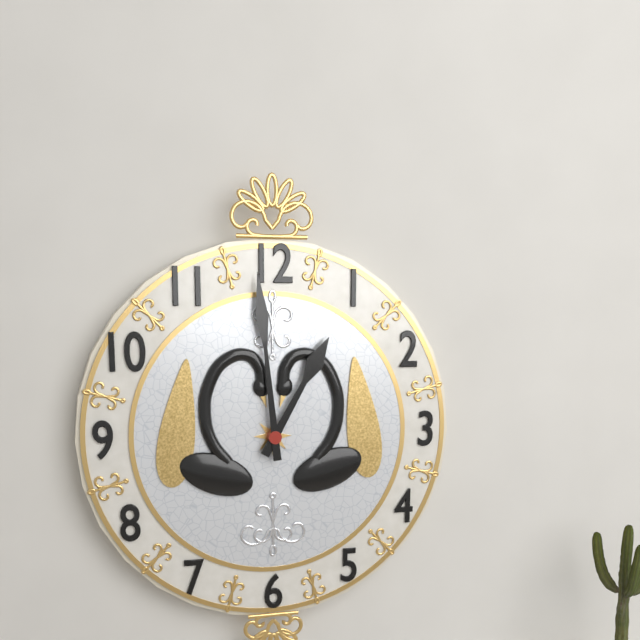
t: 12:59
